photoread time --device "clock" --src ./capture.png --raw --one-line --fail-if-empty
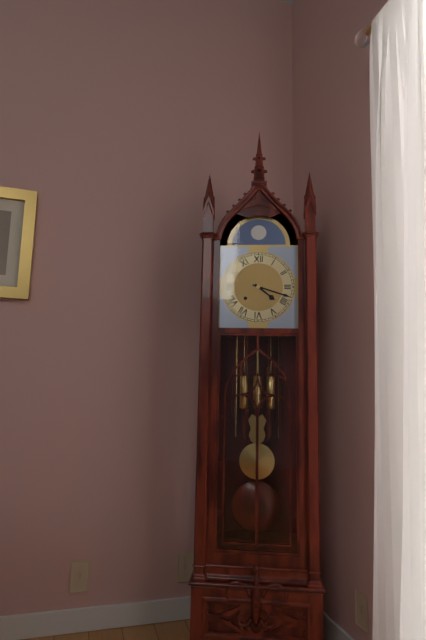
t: 4:18
